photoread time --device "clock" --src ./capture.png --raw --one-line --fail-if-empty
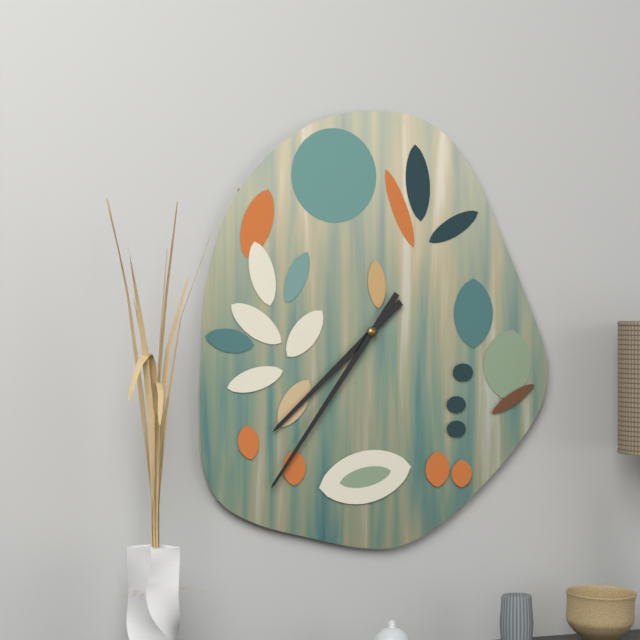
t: 7:36
